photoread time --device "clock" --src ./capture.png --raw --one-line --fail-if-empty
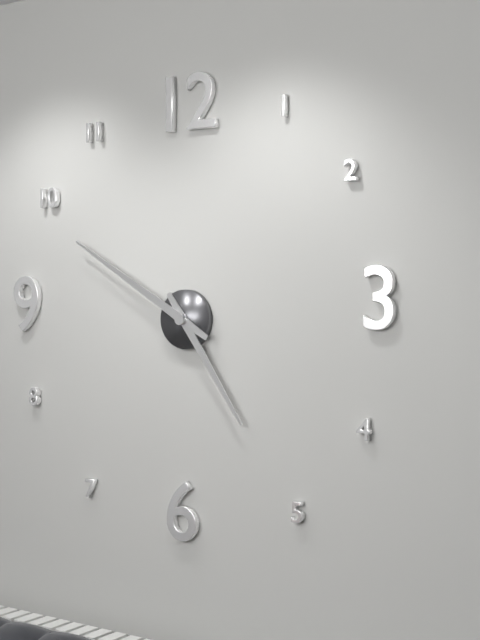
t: 4:50
